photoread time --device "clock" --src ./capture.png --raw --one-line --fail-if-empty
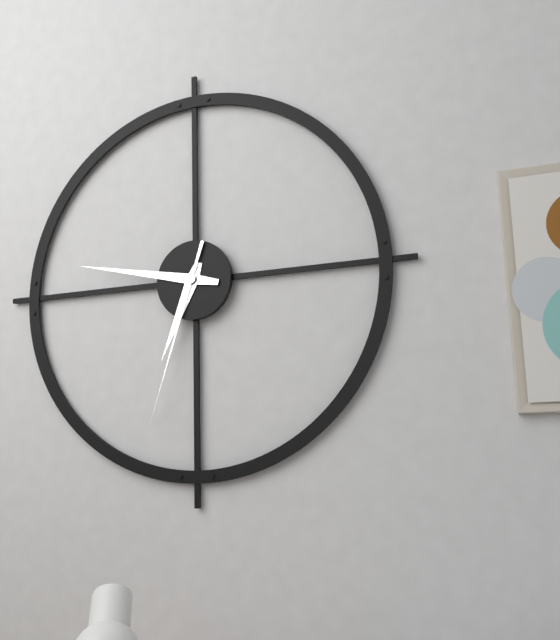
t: 6:47:33
